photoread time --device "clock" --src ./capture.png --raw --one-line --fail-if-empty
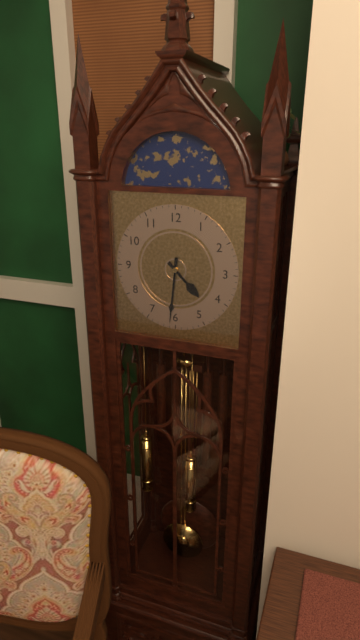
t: 4:31
